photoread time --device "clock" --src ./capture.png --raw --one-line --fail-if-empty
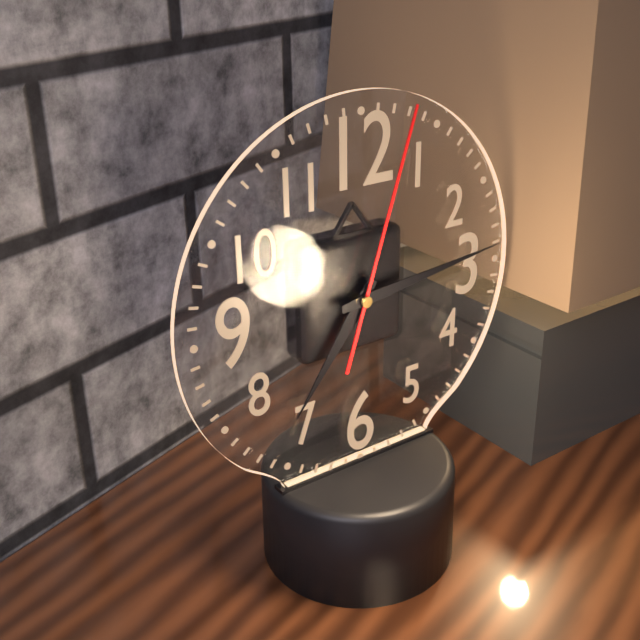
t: 7:14:03
